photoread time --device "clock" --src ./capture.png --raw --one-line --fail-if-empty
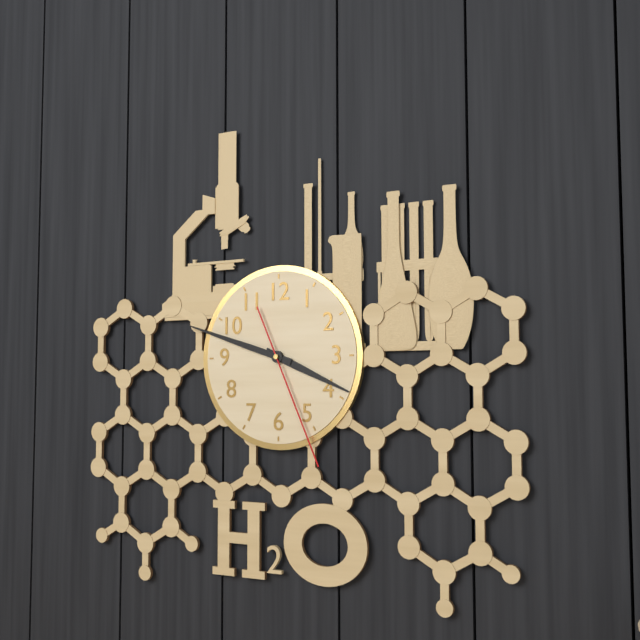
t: 3:48:26
